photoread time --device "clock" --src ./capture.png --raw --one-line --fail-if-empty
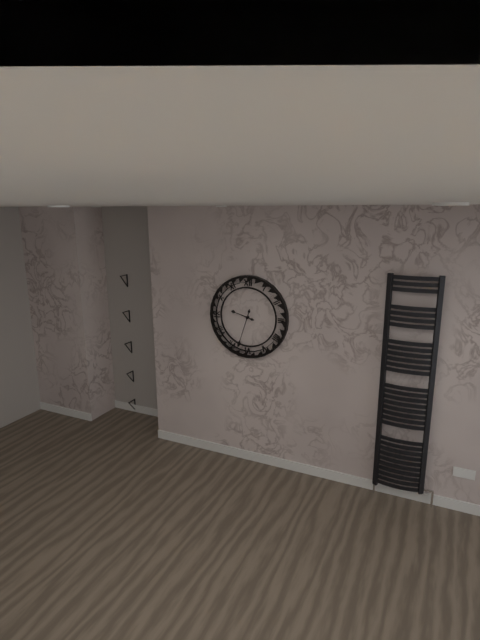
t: 9:33
